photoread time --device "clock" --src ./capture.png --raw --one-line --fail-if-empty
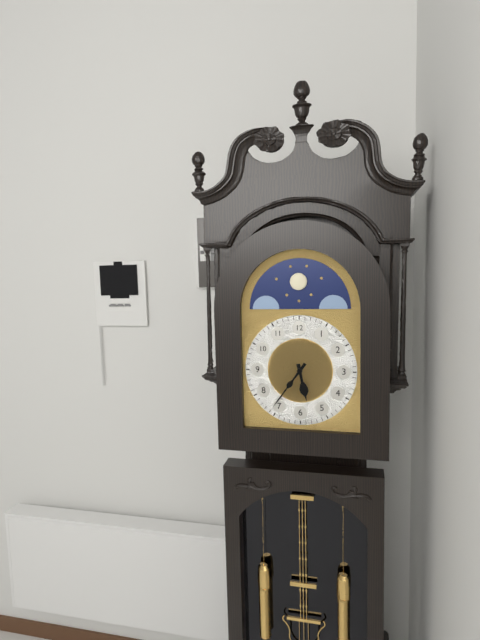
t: 5:36
